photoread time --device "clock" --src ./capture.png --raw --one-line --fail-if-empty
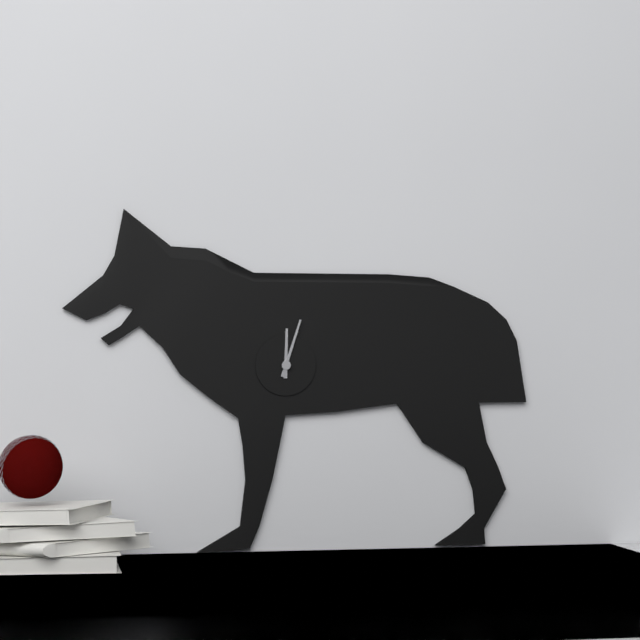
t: 12:03
